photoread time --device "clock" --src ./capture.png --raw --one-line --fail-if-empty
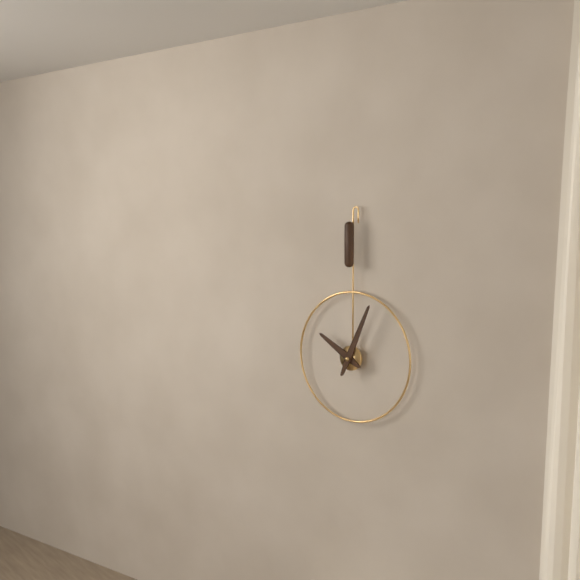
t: 10:04
